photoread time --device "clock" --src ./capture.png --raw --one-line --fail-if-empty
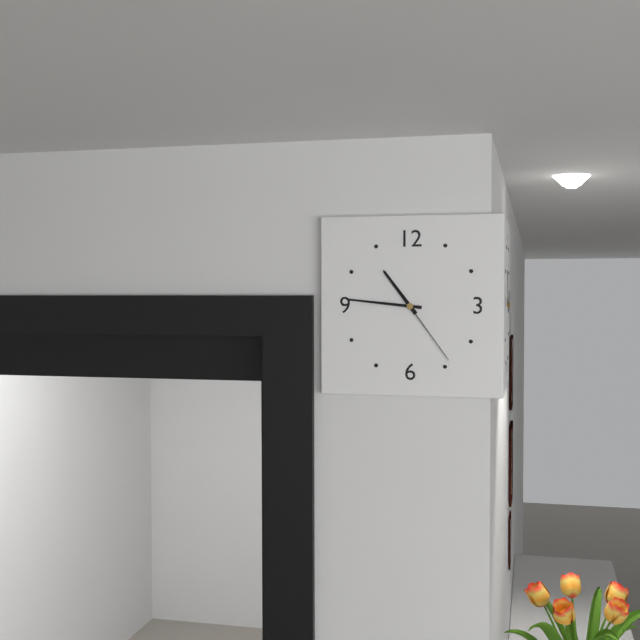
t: 10:46:24
